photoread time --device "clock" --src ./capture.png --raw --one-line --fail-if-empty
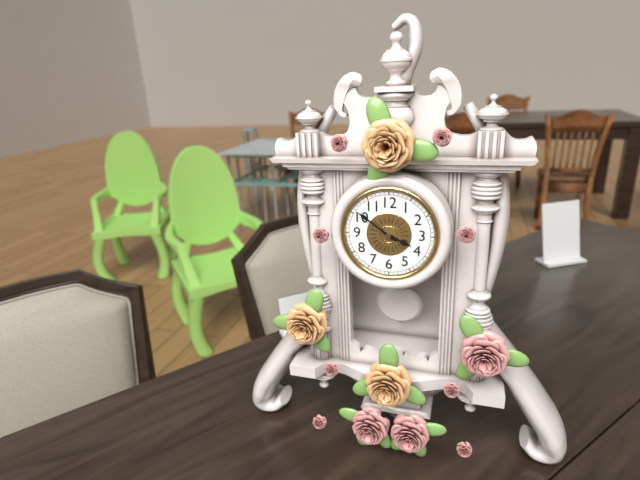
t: 3:51
